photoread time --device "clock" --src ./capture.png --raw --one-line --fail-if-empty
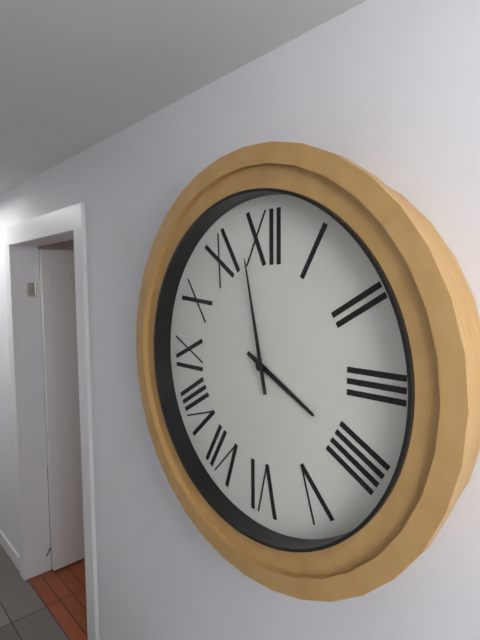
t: 3:58
